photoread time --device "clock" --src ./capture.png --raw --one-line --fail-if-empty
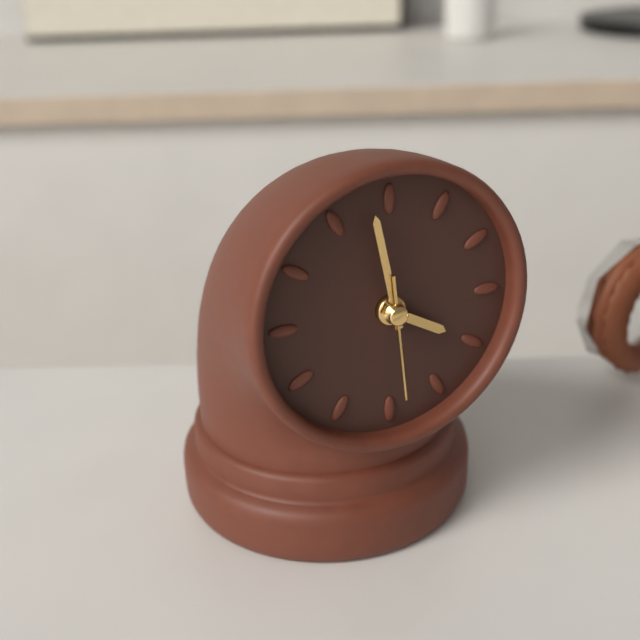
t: 3:58:29
